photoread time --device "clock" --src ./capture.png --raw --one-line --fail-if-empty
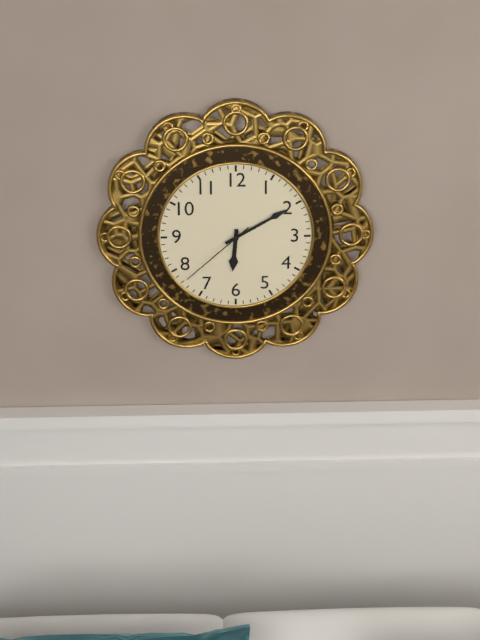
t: 6:10:38
